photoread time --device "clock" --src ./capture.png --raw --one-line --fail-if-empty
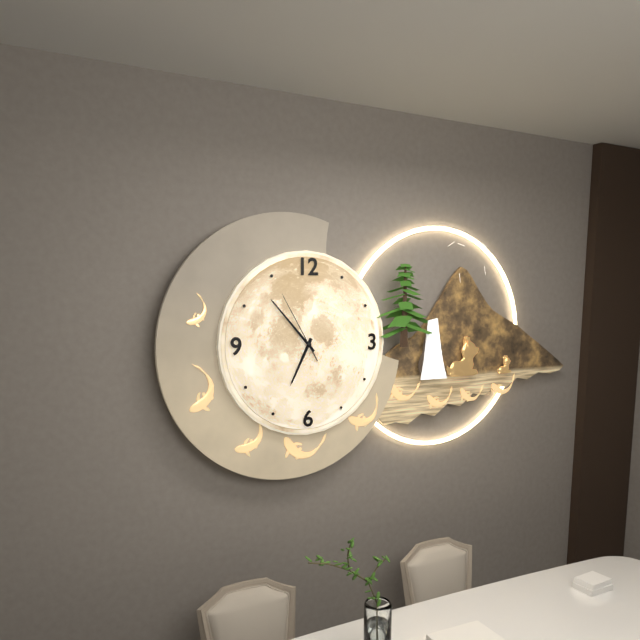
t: 6:53:55
